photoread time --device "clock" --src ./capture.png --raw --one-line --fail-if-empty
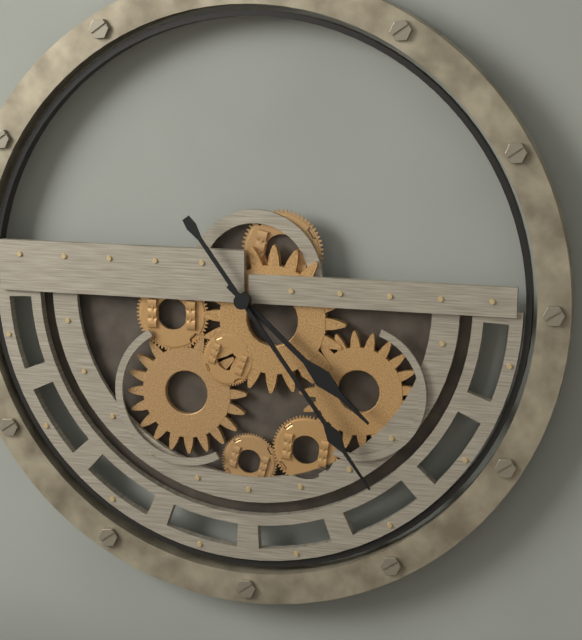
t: 4:24
